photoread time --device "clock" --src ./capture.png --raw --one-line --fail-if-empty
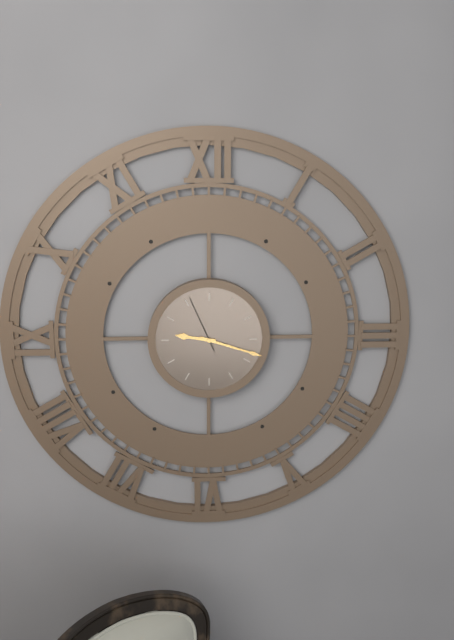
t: 9:18:56
